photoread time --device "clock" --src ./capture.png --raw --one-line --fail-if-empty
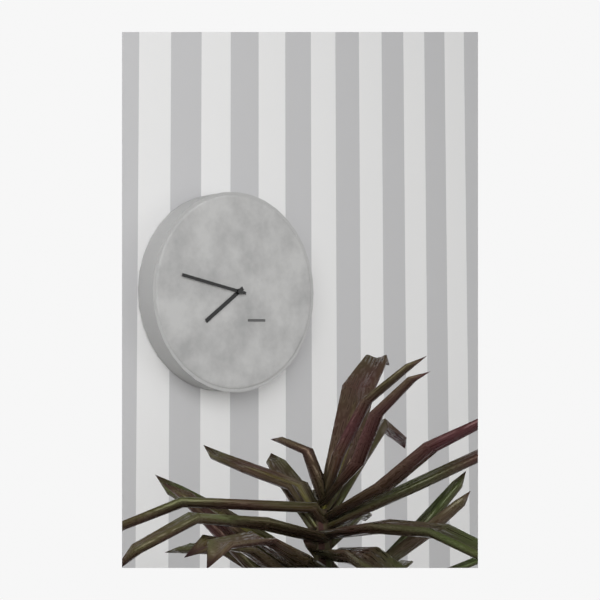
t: 7:47
